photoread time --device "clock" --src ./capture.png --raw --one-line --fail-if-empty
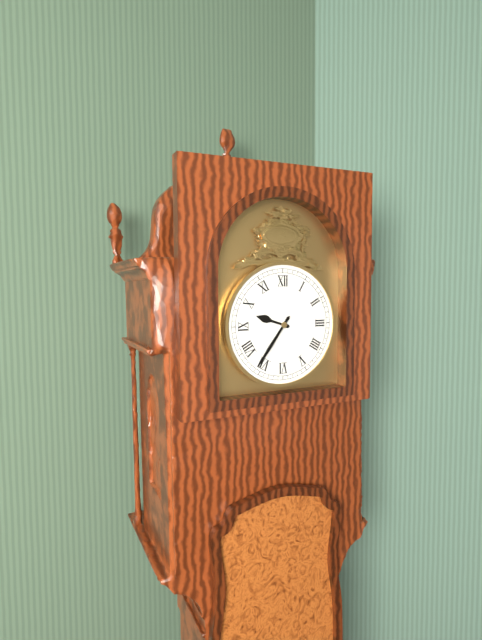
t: 9:36
